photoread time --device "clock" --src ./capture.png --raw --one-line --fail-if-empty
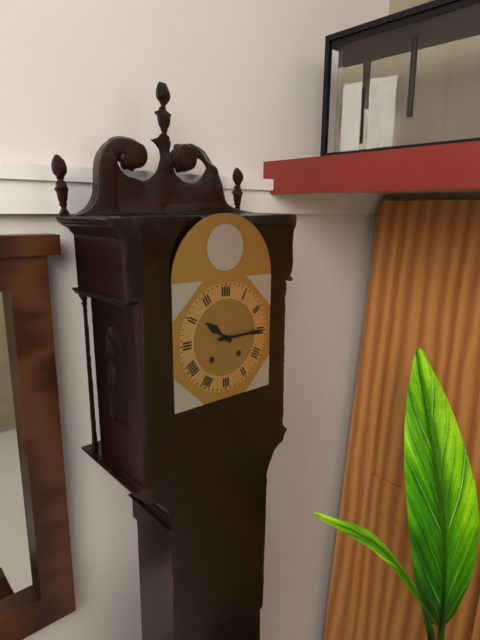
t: 10:15
